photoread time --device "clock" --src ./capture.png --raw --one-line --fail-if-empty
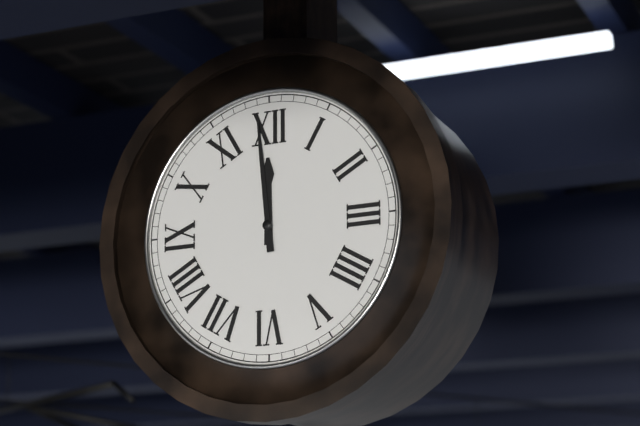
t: 11:59
